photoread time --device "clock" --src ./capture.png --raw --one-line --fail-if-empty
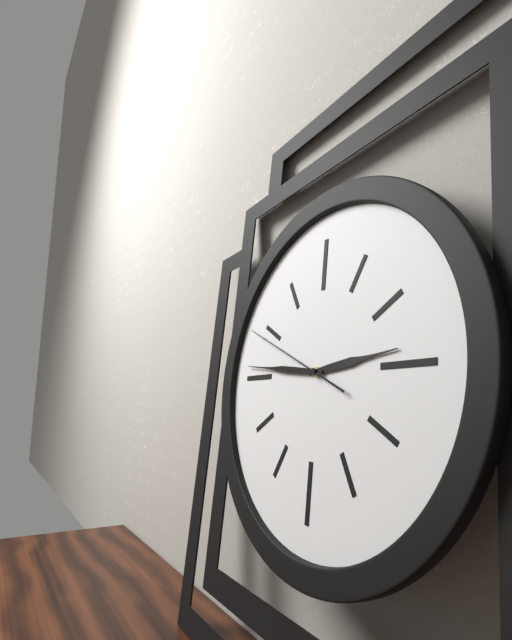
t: 2:46:49
